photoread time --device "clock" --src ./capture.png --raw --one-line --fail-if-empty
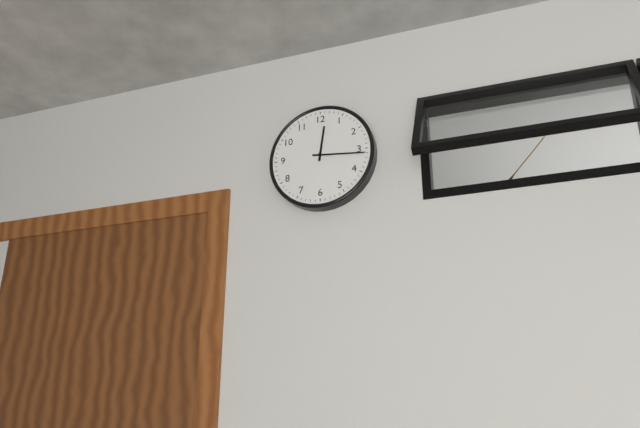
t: 12:16
